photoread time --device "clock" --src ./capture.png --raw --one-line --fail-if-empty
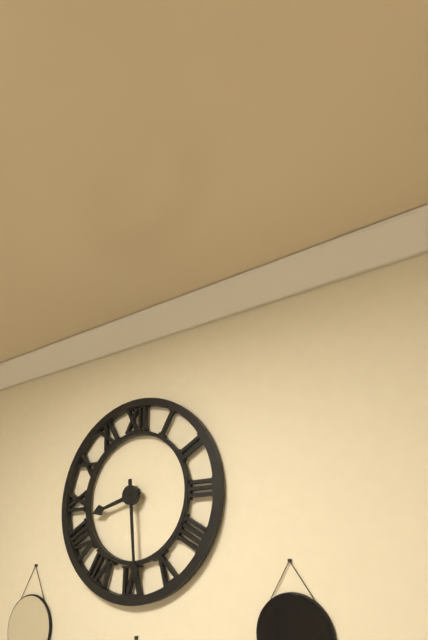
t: 8:29
